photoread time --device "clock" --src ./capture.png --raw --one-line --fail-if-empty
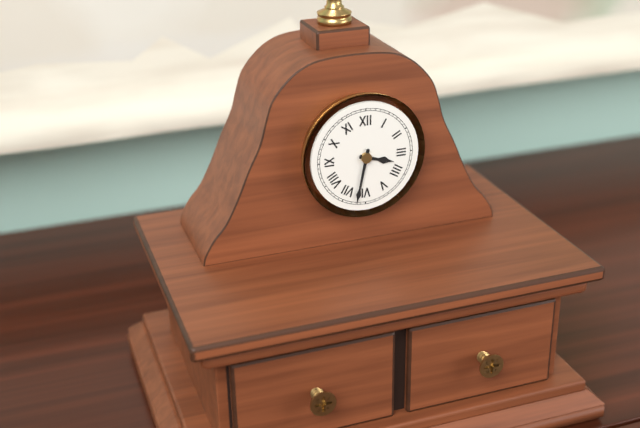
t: 3:32
